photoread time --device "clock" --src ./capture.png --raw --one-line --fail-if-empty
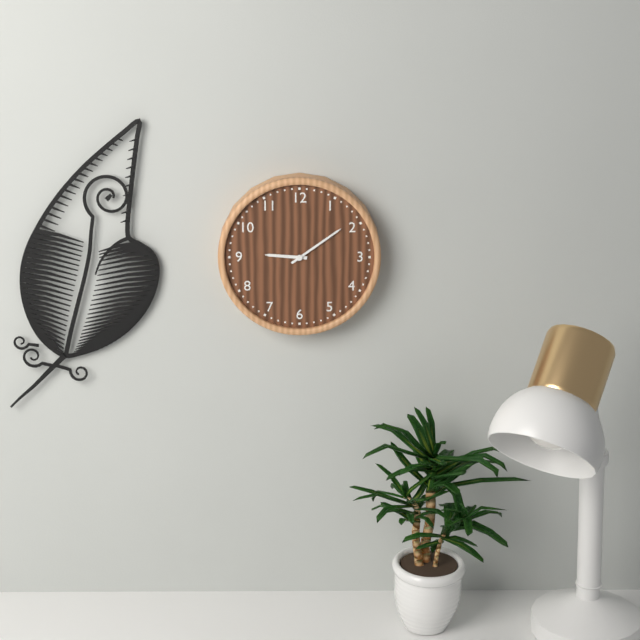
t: 9:09
